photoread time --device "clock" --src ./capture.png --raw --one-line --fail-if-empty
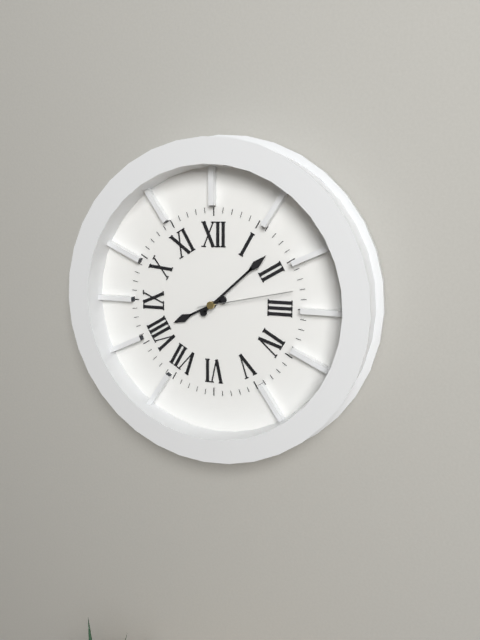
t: 8:08:13
